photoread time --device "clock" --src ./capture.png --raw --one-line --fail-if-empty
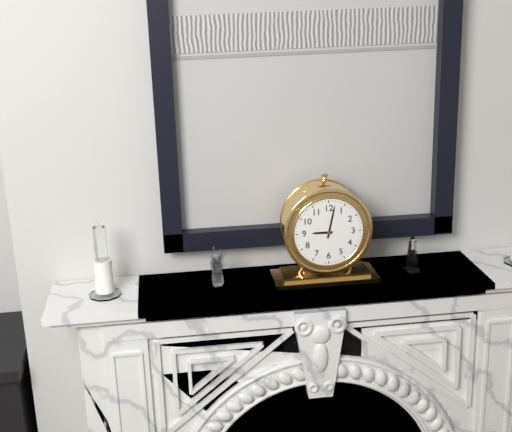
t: 9:02
